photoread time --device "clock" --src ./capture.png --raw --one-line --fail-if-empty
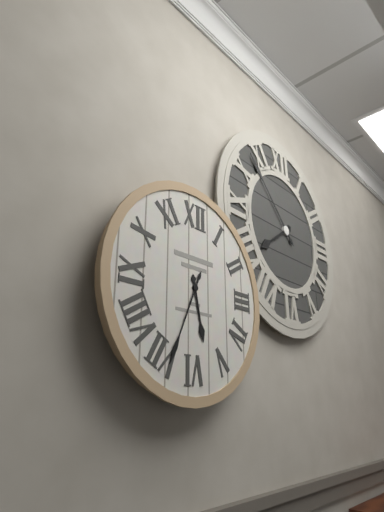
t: 5:34
